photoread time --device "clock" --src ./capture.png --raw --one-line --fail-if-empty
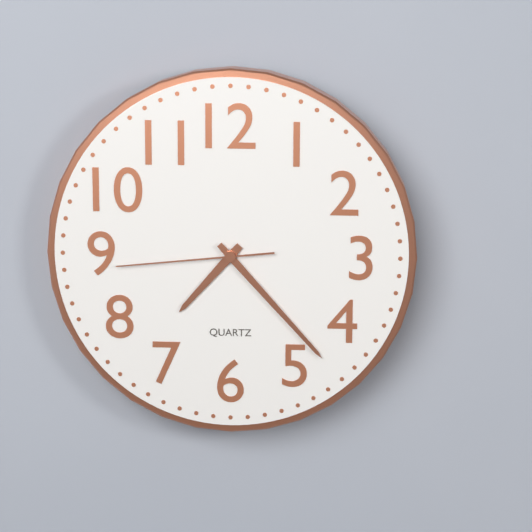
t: 7:23:44
